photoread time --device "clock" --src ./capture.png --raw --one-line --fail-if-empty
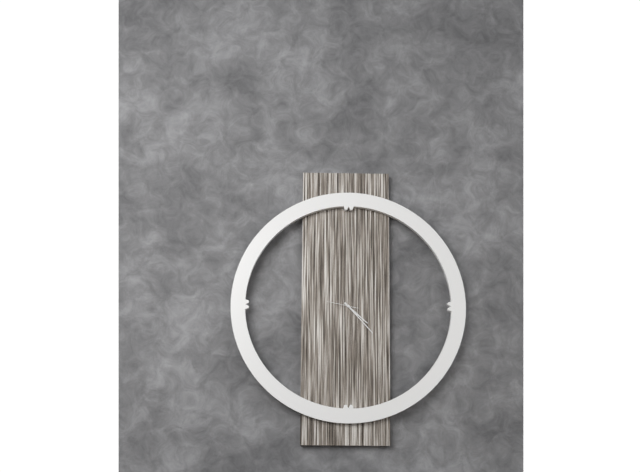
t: 4:23
